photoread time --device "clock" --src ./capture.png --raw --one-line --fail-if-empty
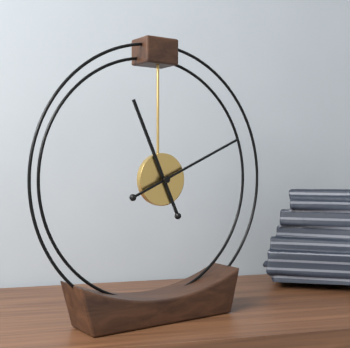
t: 11:11
